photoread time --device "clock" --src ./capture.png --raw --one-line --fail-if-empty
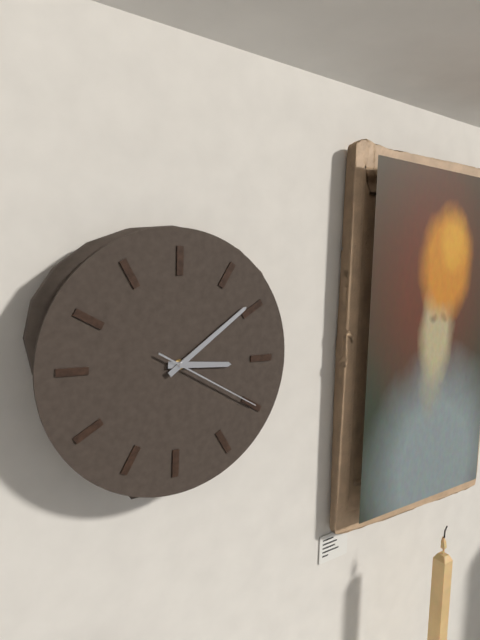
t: 3:09:20
